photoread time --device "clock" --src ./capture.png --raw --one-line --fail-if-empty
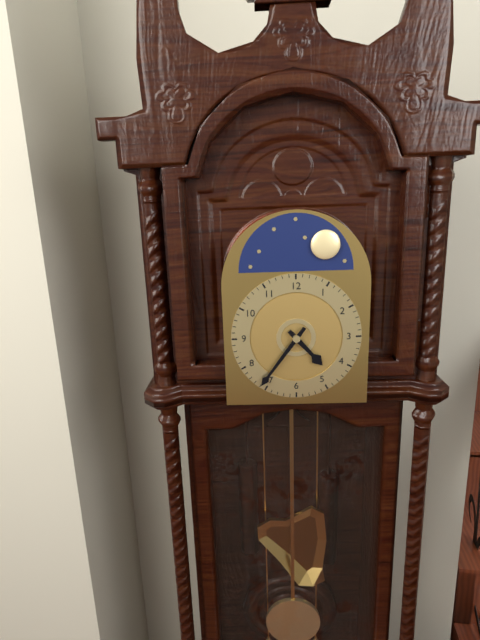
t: 4:36
